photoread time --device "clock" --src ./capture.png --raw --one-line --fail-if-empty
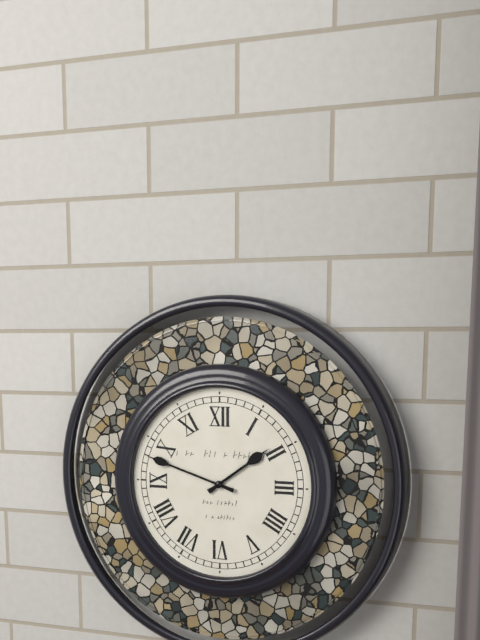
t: 1:48
